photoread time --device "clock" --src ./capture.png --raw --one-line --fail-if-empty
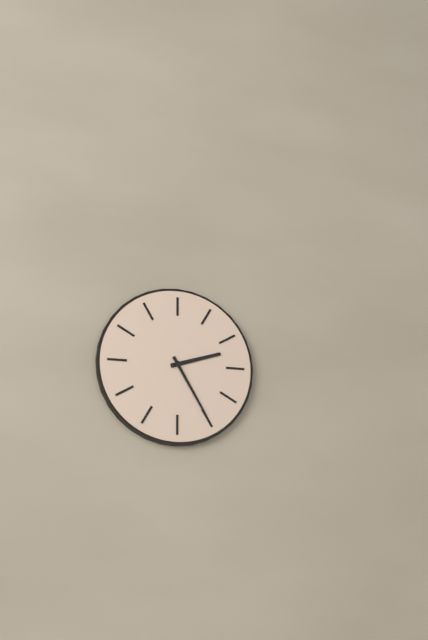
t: 2:25
